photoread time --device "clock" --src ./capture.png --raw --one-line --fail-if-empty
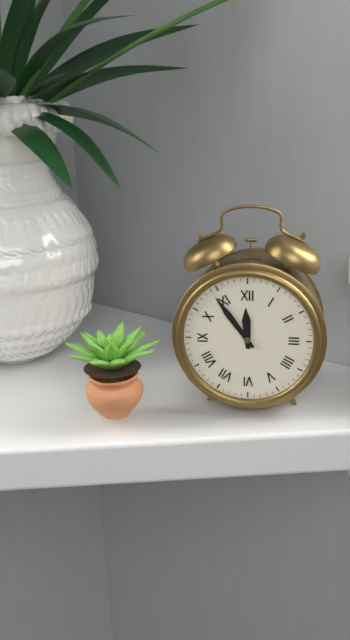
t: 11:54
